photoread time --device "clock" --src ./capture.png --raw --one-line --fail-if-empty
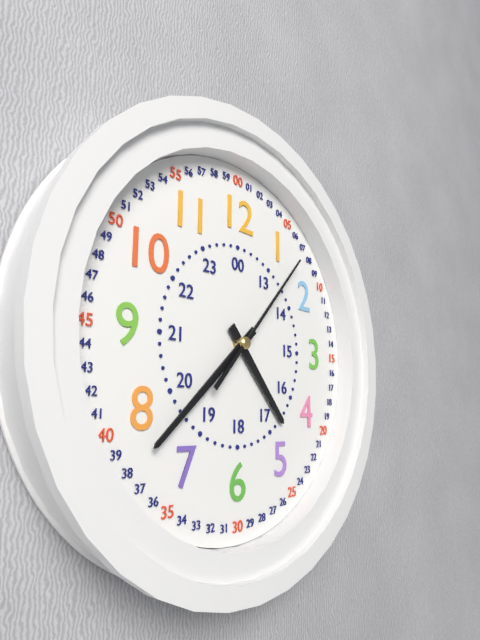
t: 4:38:07
